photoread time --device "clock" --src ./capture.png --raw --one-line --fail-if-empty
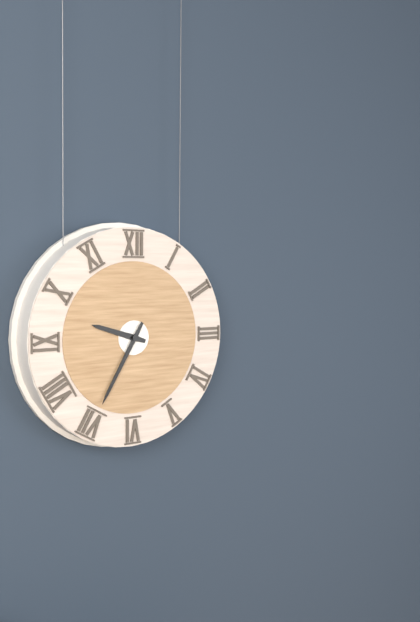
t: 9:35
